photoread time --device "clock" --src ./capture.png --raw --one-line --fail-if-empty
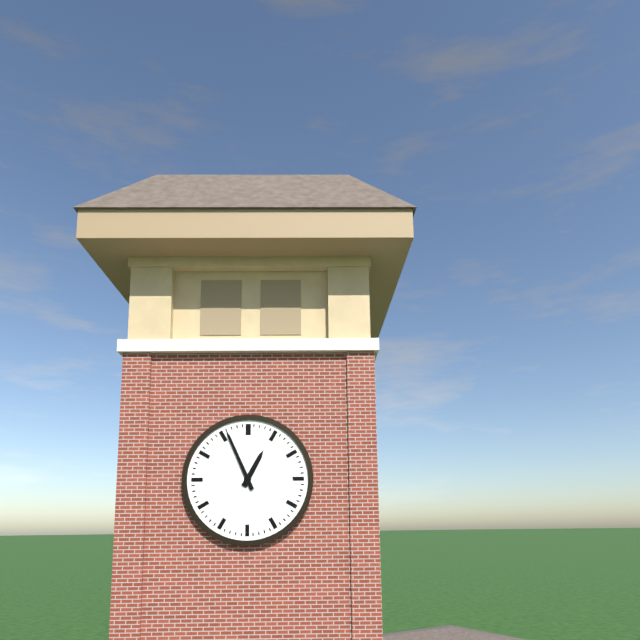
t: 12:56
